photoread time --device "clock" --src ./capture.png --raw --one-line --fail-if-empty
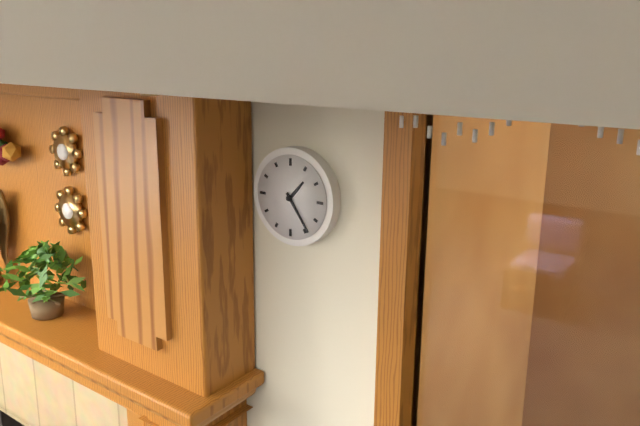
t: 1:24
